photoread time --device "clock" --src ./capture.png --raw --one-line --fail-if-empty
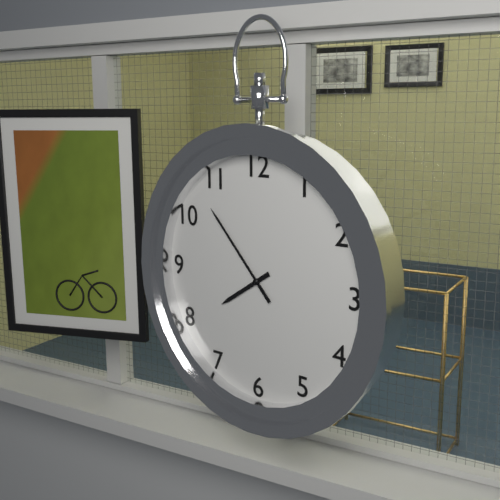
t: 7:53
